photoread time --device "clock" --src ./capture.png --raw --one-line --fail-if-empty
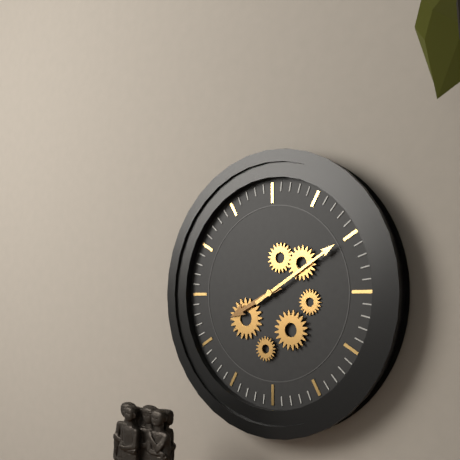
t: 8:10
